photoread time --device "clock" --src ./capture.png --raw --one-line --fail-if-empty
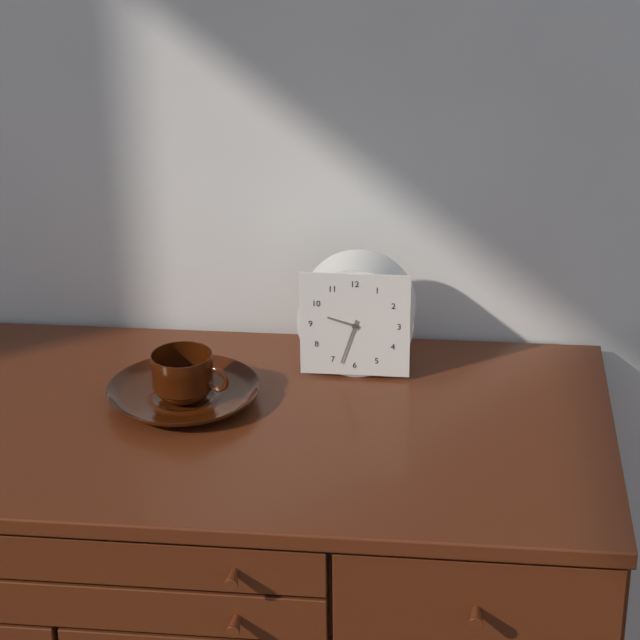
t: 9:33
